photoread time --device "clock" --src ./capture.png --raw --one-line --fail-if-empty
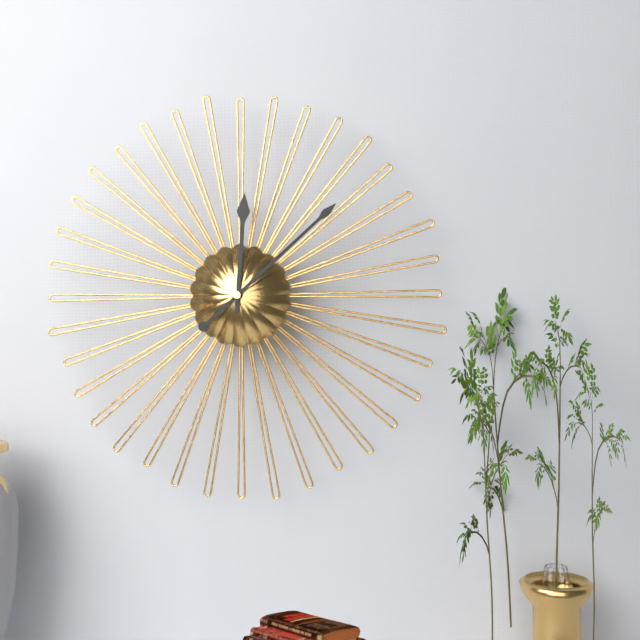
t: 12:08
